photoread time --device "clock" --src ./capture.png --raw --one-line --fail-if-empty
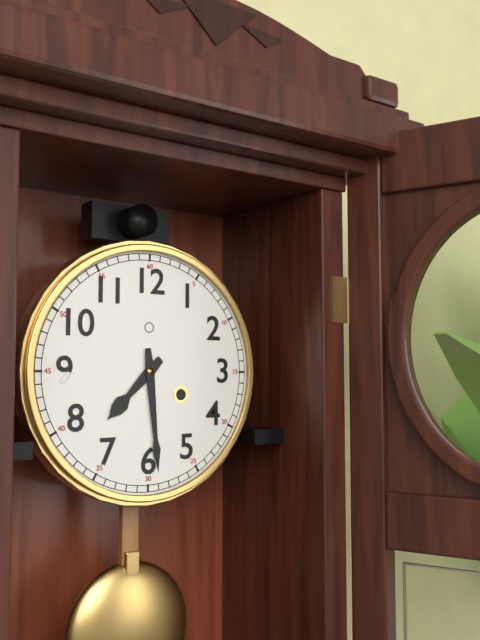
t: 7:29
